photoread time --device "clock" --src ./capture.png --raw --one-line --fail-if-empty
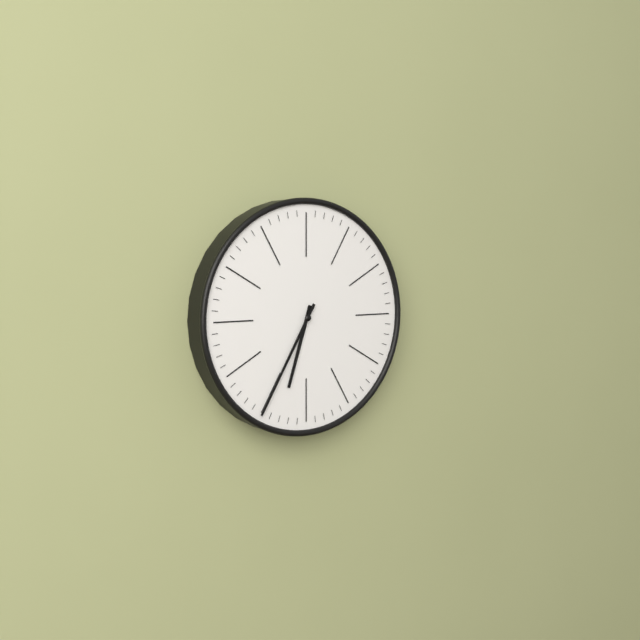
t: 6:35
